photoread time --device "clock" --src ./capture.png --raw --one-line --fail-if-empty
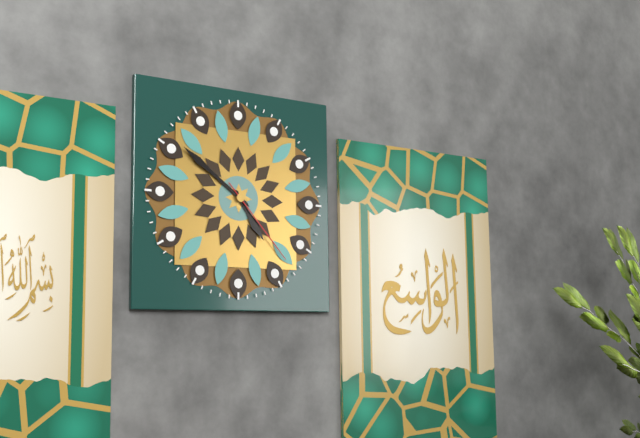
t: 4:51:23
